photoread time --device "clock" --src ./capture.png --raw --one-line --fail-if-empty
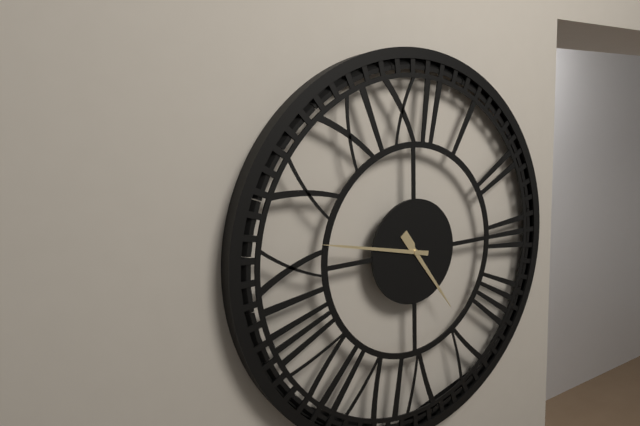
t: 4:47
